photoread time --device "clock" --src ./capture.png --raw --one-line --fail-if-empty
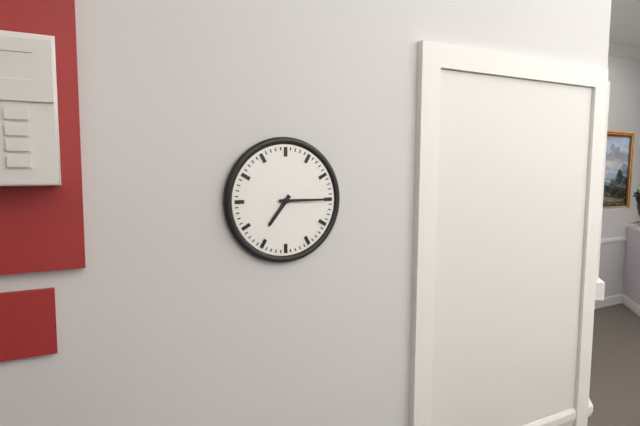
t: 7:15
